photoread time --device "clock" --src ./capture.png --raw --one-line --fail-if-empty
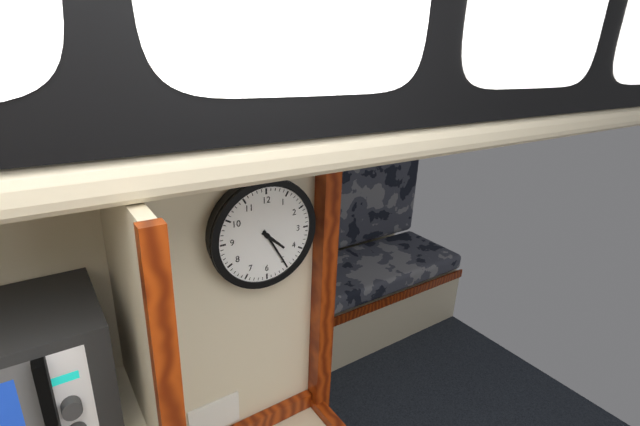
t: 4:25
